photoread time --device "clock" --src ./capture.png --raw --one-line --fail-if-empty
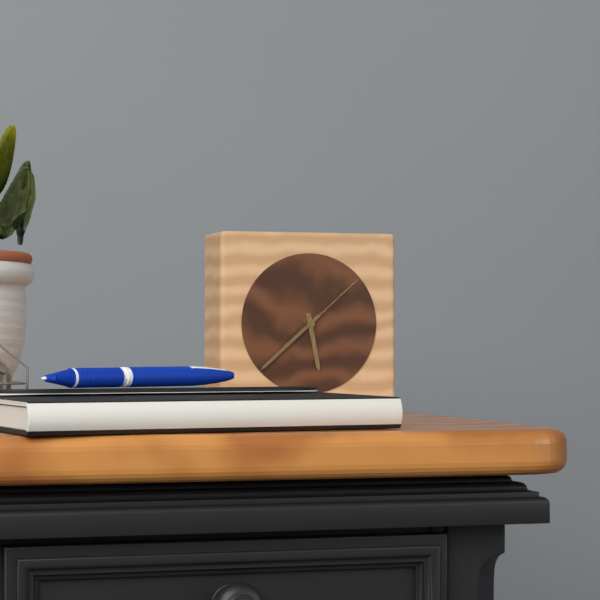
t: 5:38:08
